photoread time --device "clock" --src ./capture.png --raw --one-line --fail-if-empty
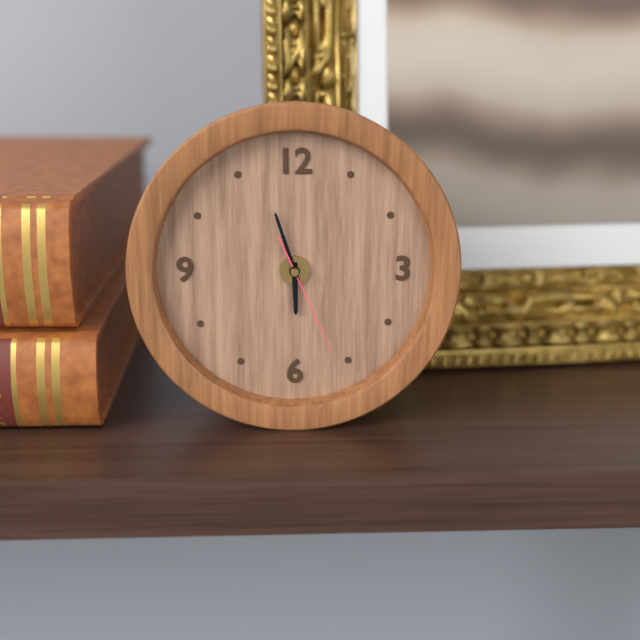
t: 5:57:26
